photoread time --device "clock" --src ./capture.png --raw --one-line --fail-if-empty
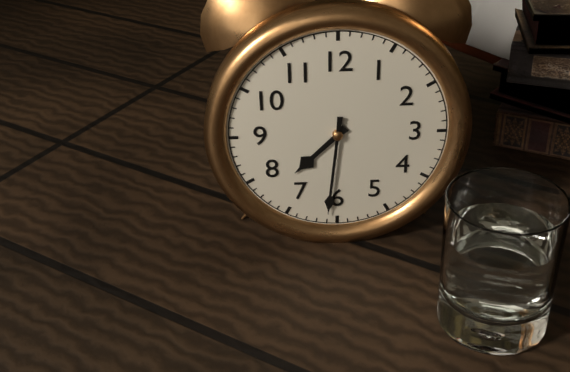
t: 7:31
